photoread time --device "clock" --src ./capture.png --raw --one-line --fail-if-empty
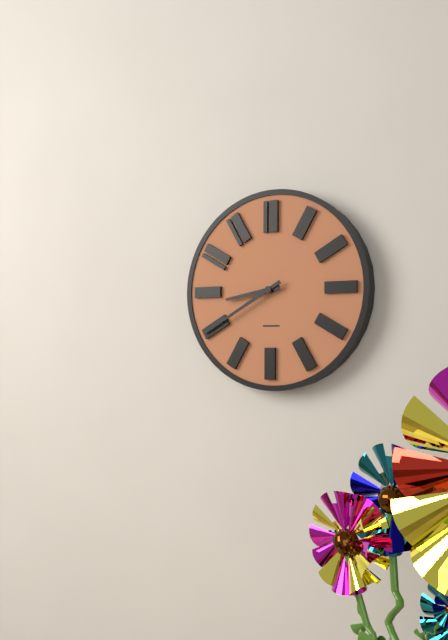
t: 8:40
